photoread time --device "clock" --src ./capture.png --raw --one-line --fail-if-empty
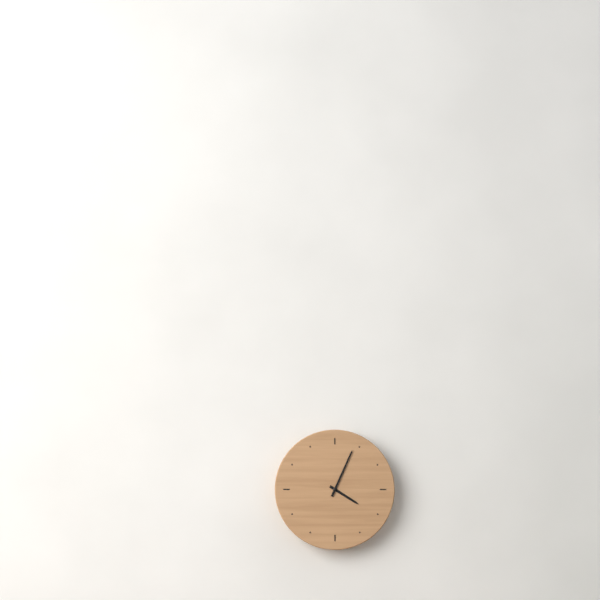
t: 4:04
